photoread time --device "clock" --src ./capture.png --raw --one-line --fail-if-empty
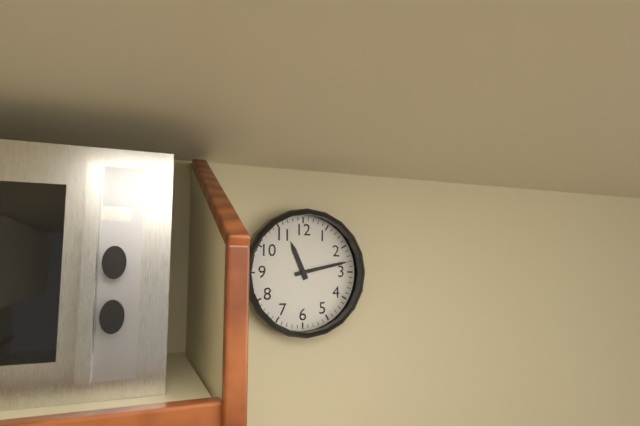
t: 11:13
